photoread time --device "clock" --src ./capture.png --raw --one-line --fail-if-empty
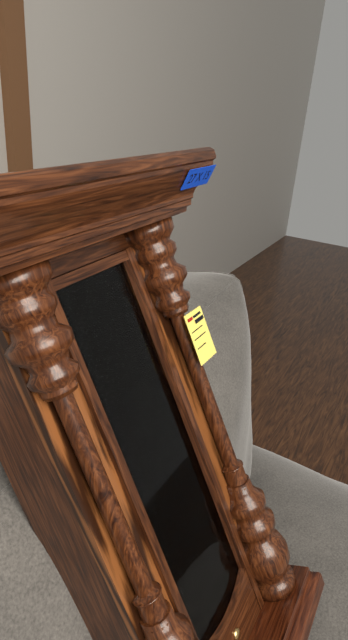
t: 9:37
